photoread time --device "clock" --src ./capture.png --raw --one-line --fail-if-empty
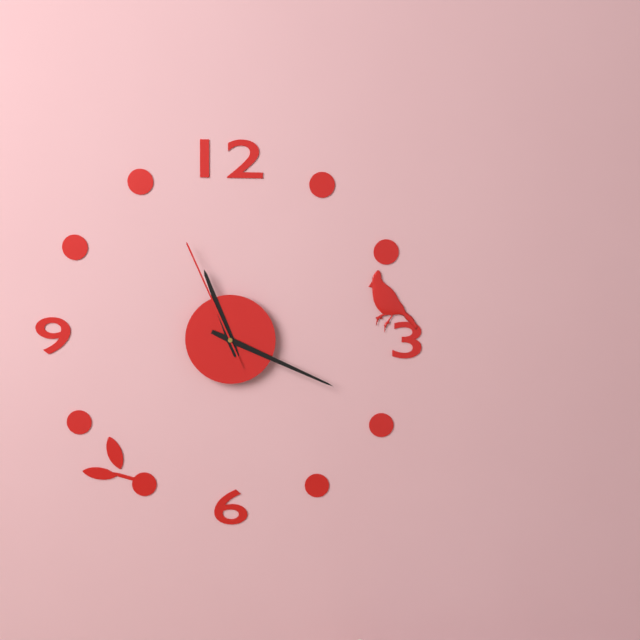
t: 11:19:56
